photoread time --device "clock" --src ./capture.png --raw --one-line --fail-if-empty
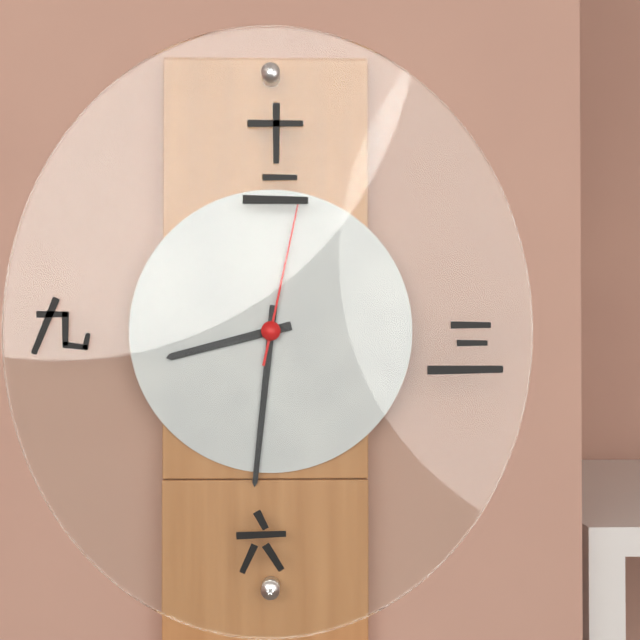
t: 8:31:02
